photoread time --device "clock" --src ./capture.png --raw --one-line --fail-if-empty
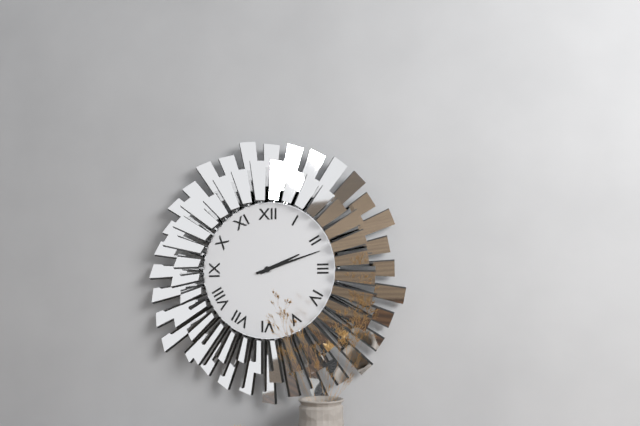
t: 2:12
